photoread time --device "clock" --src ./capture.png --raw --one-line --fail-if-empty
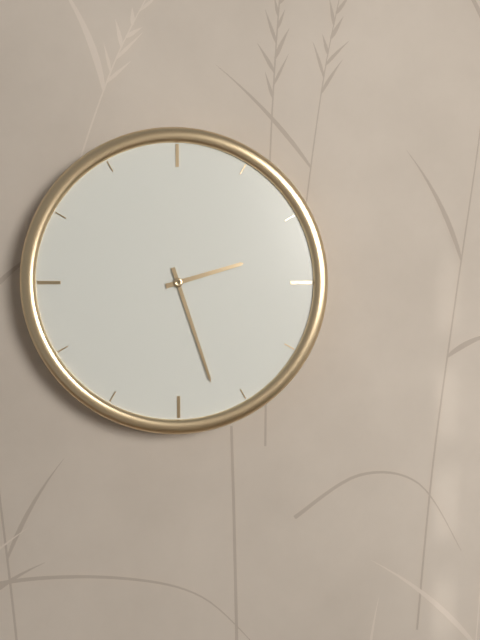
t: 2:27
